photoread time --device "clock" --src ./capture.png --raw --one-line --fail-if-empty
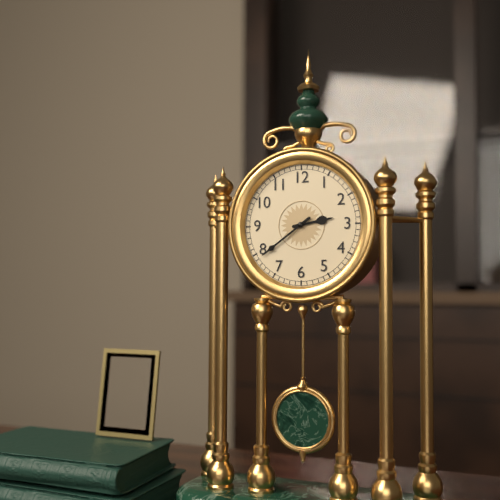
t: 2:39
